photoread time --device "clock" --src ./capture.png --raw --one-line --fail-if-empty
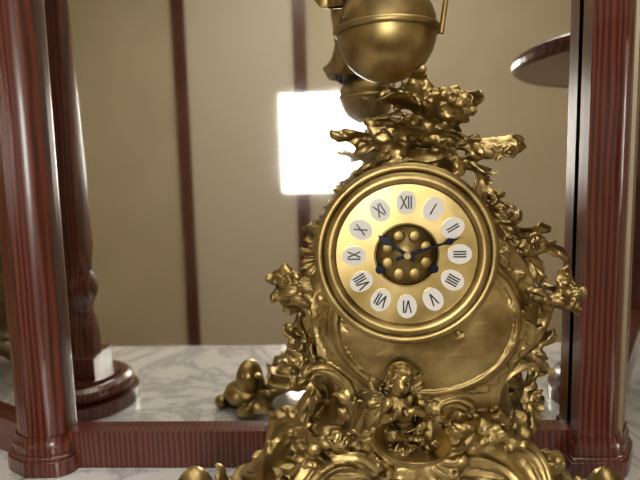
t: 10:12
